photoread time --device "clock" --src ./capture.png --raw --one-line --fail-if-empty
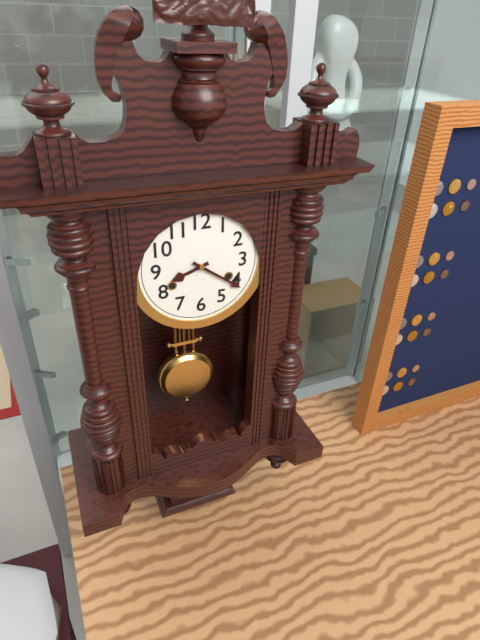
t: 8:21
